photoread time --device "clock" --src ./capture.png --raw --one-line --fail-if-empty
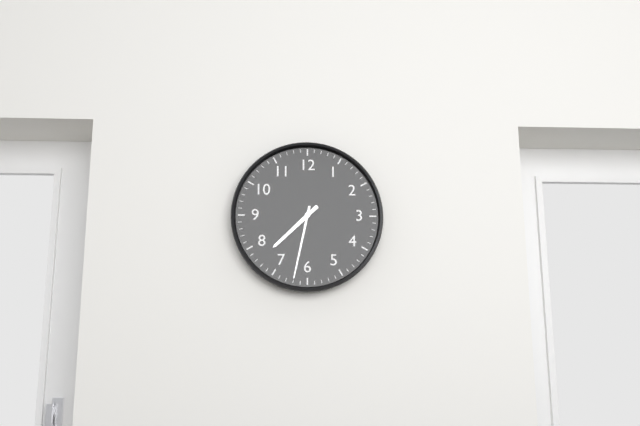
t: 7:32
